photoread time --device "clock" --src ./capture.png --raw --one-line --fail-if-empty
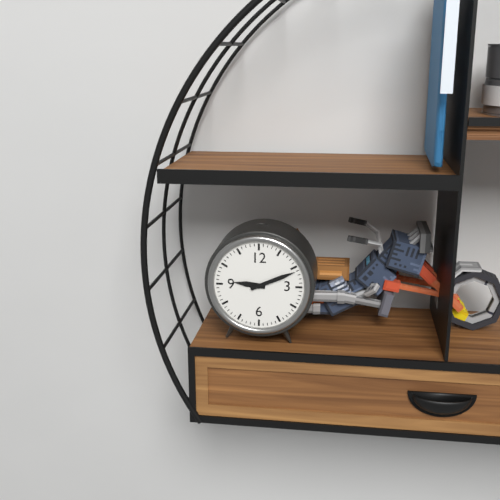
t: 9:11
